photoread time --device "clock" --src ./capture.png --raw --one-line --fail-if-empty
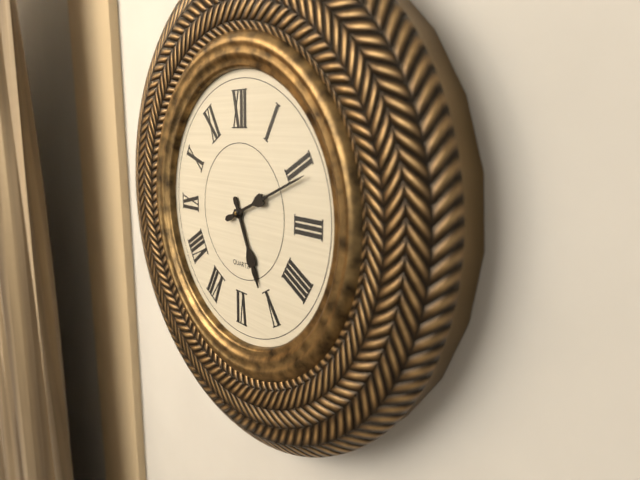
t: 5:11
